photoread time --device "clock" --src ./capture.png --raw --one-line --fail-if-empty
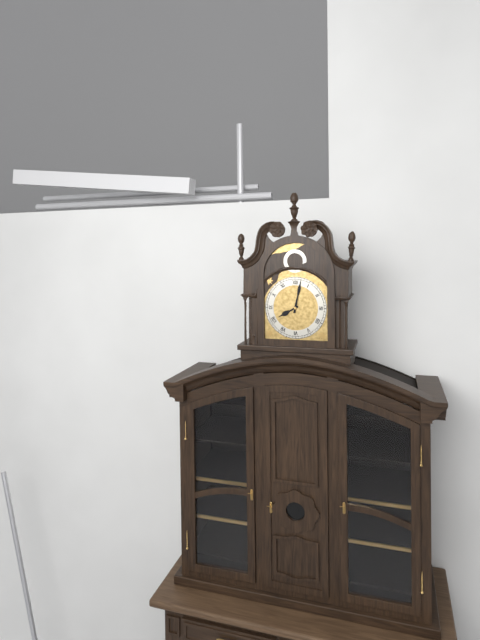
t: 8:02
